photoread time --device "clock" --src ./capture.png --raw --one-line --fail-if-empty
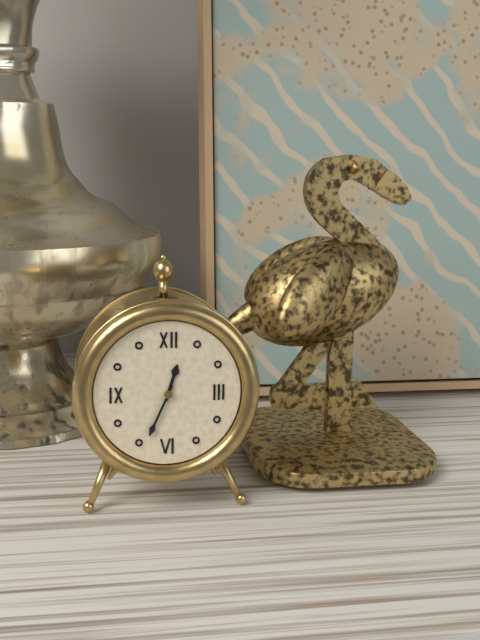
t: 12:34
